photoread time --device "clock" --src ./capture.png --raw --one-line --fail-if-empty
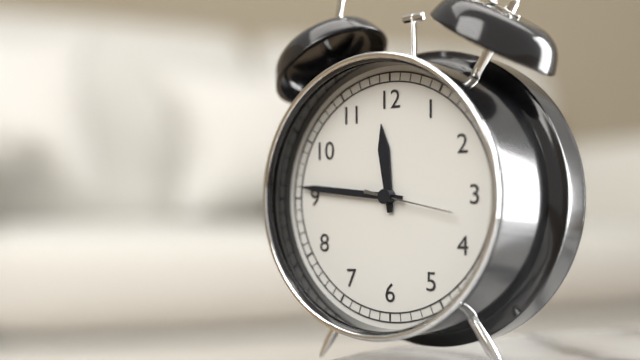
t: 11:46:17
